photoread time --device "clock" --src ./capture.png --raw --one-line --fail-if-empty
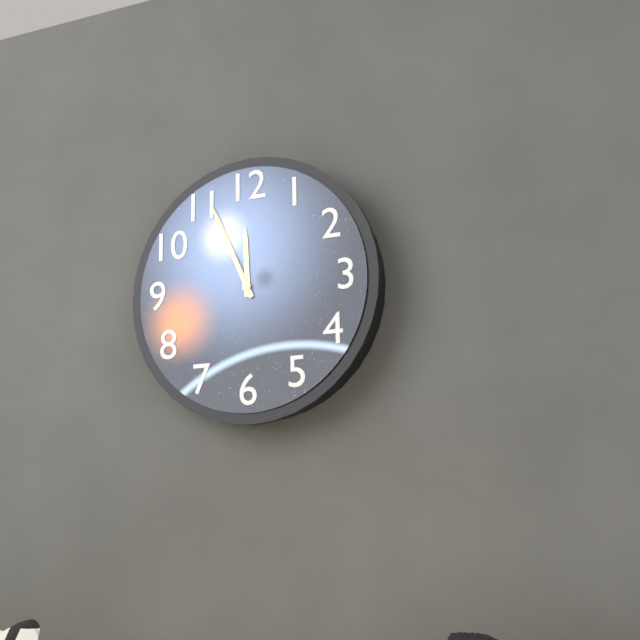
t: 11:56
